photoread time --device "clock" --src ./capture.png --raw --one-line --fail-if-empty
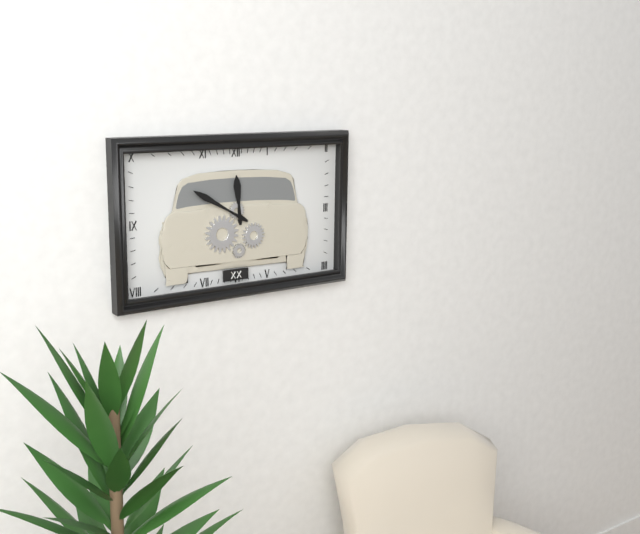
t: 11:50
